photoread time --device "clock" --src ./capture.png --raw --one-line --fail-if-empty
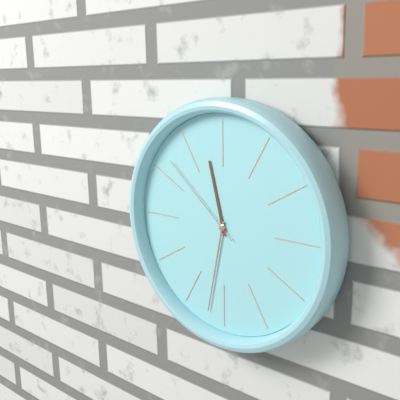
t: 11:32:52
